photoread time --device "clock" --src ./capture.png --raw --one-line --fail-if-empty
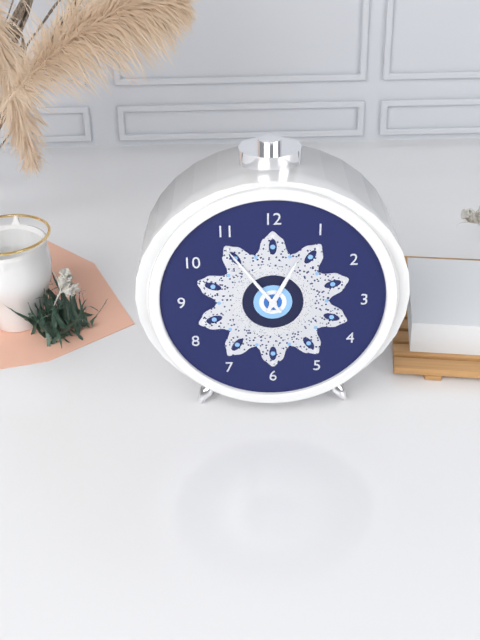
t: 12:54
